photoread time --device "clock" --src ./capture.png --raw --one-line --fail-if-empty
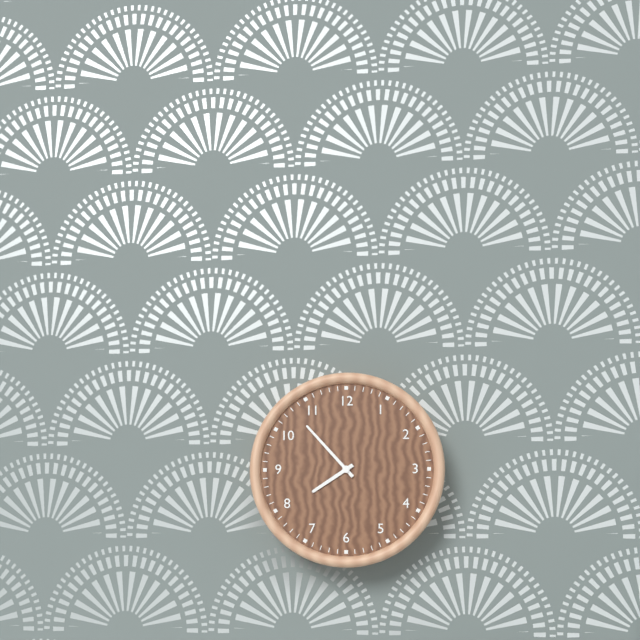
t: 7:53
